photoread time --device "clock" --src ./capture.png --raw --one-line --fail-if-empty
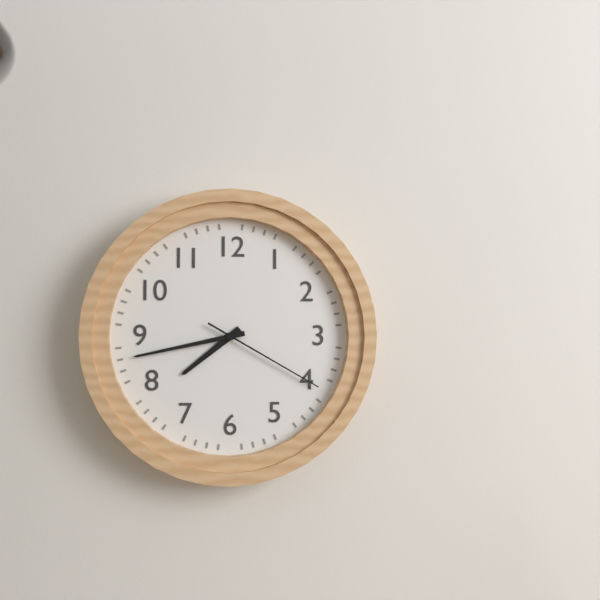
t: 7:43:20
